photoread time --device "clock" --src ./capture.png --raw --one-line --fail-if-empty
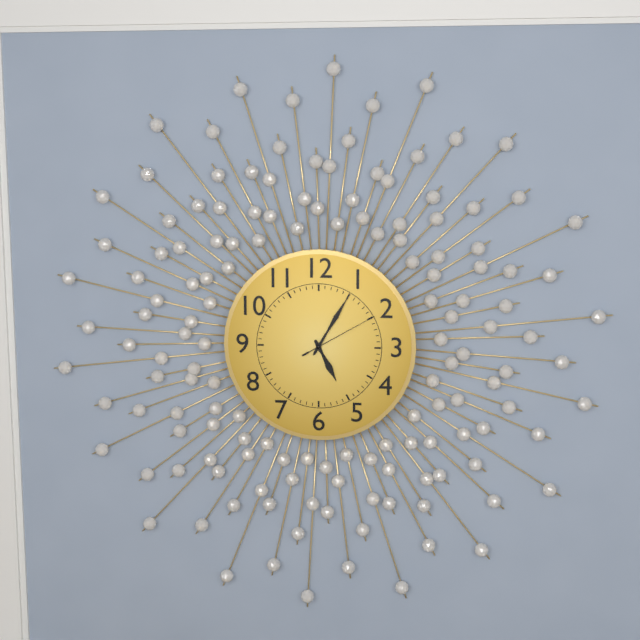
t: 5:05:10
